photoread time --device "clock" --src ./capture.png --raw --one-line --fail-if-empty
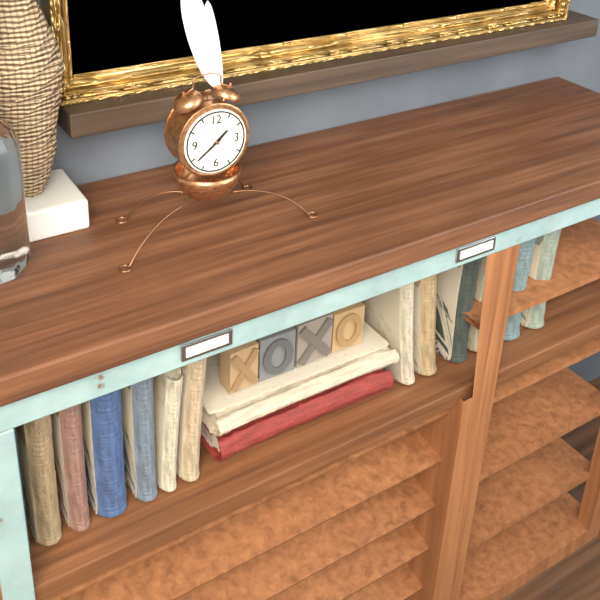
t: 1:39
